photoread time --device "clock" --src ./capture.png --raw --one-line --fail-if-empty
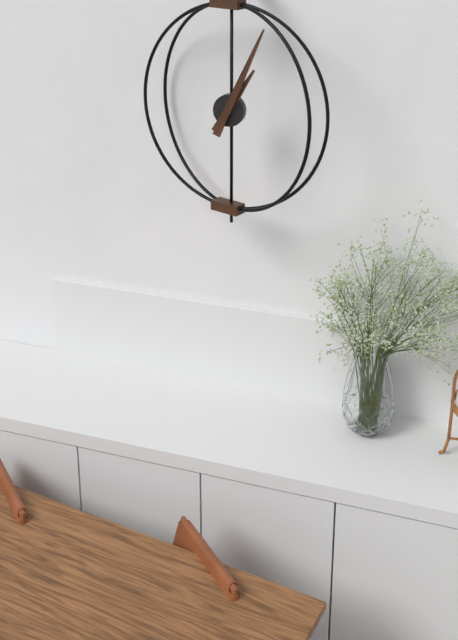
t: 1:04
